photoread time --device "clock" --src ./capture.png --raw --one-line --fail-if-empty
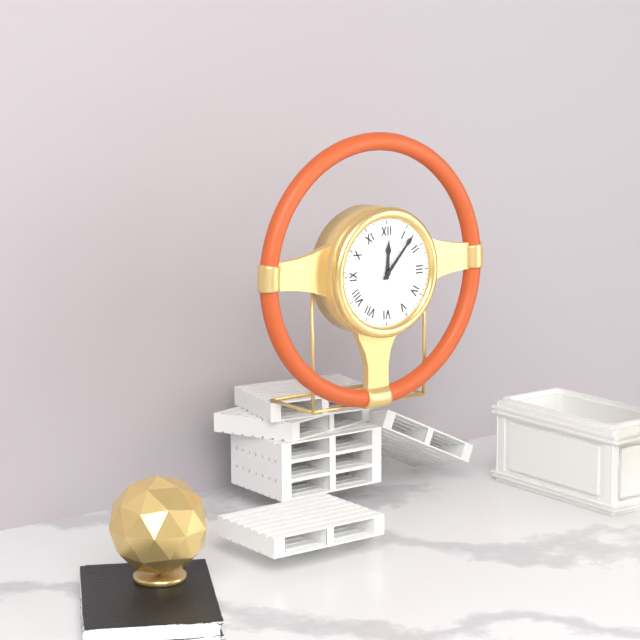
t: 12:07
